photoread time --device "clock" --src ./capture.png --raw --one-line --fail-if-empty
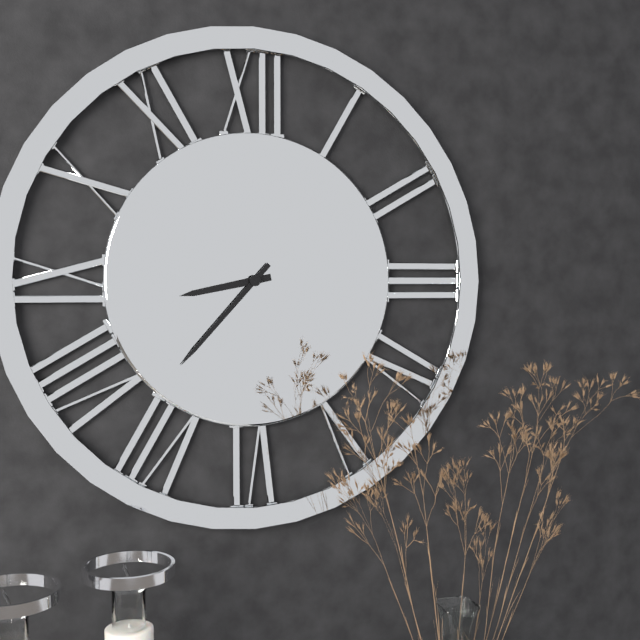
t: 8:37
